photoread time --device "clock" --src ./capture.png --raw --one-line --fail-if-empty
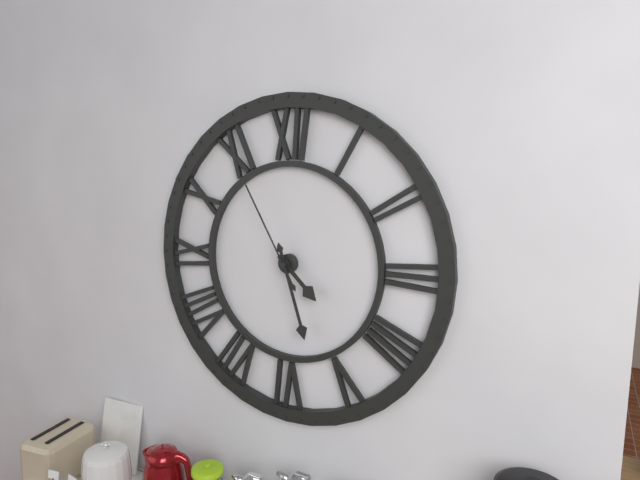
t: 4:27:55
